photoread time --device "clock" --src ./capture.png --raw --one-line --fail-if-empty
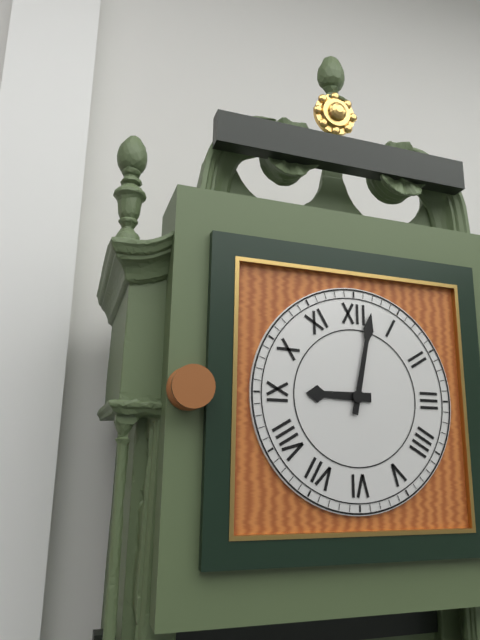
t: 9:02
